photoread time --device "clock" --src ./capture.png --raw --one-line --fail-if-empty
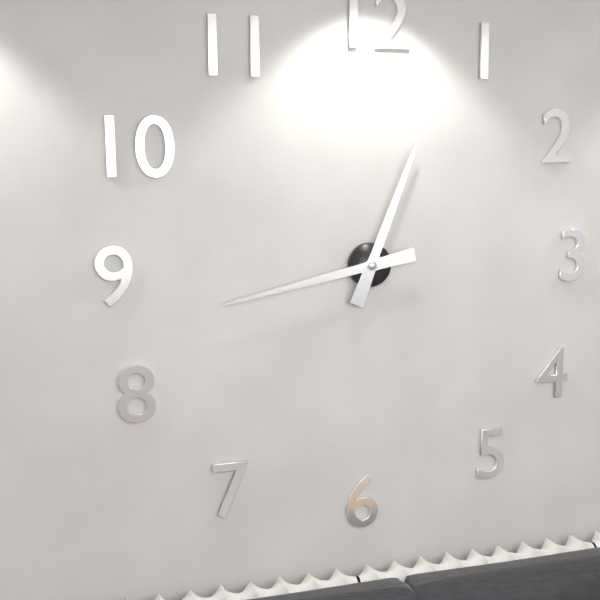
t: 12:43
